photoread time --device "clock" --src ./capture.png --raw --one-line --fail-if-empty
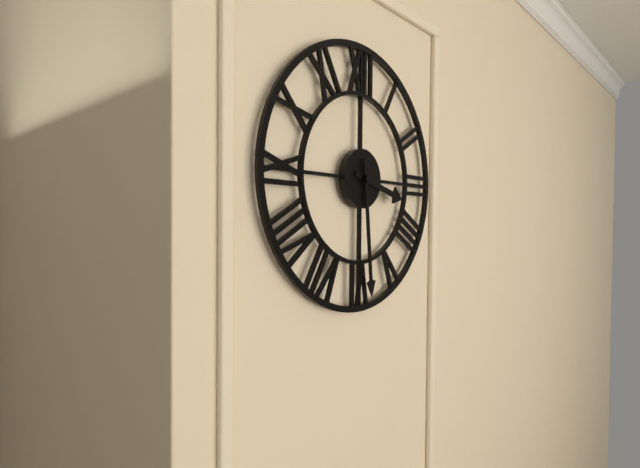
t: 3:29
